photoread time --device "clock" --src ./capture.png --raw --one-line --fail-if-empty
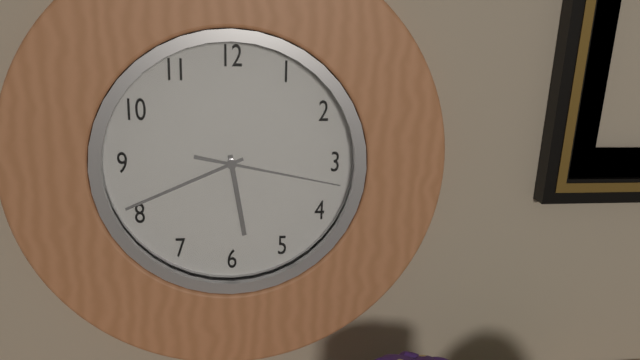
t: 5:41:17
